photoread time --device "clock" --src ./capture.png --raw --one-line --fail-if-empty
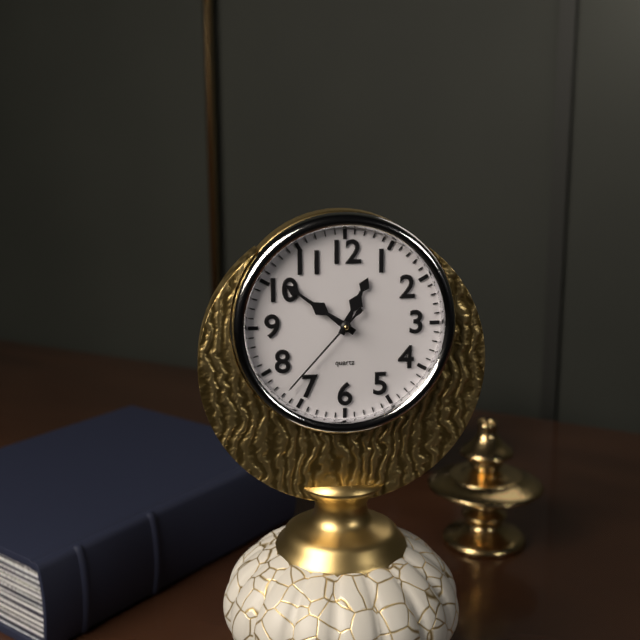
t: 12:51:37
